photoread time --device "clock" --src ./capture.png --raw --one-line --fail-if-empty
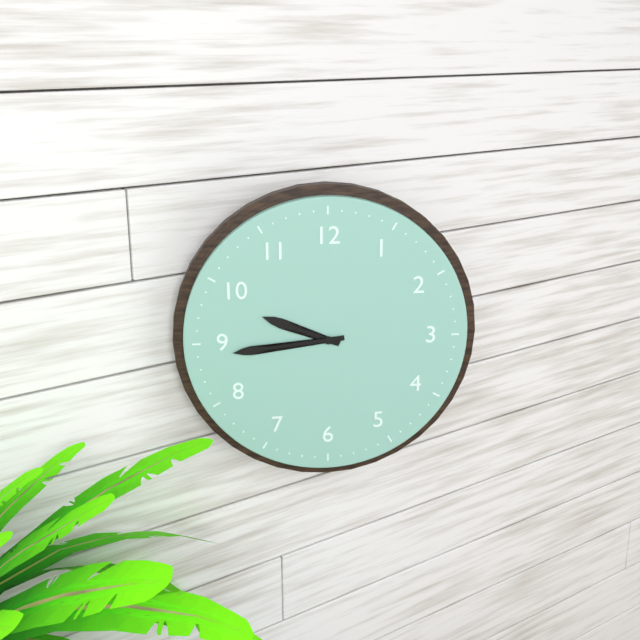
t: 9:44
